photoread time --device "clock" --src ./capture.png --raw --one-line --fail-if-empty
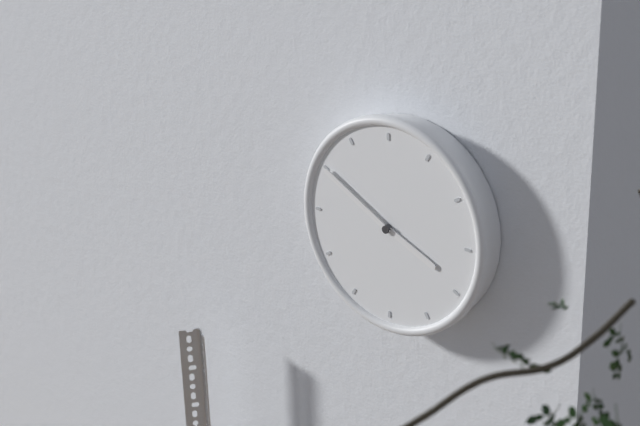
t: 3:50
